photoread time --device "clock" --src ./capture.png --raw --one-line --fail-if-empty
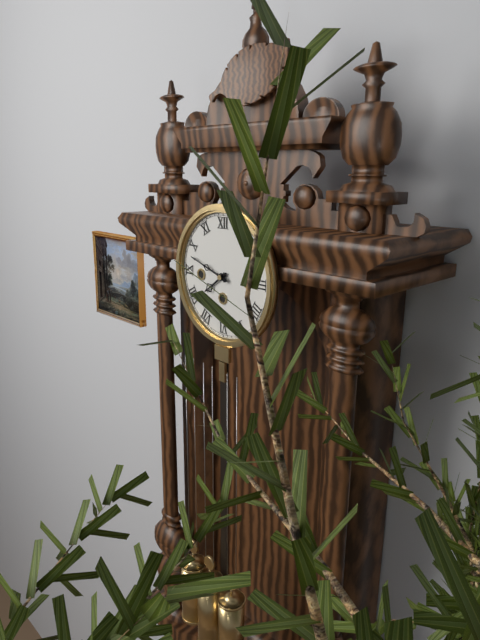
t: 7:48
